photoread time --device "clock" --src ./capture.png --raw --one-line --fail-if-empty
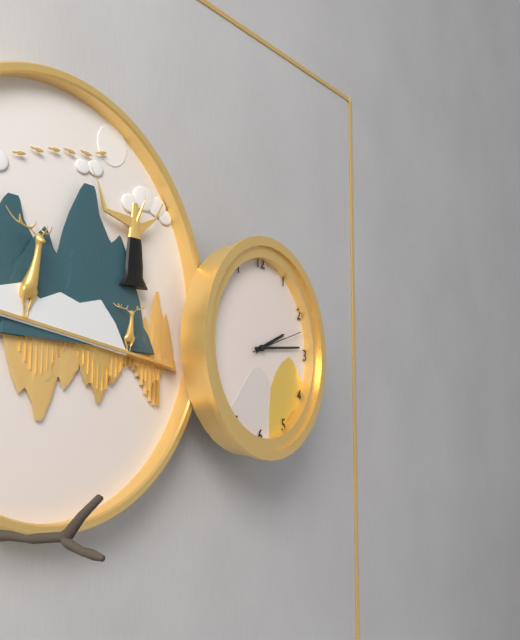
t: 2:14:12
